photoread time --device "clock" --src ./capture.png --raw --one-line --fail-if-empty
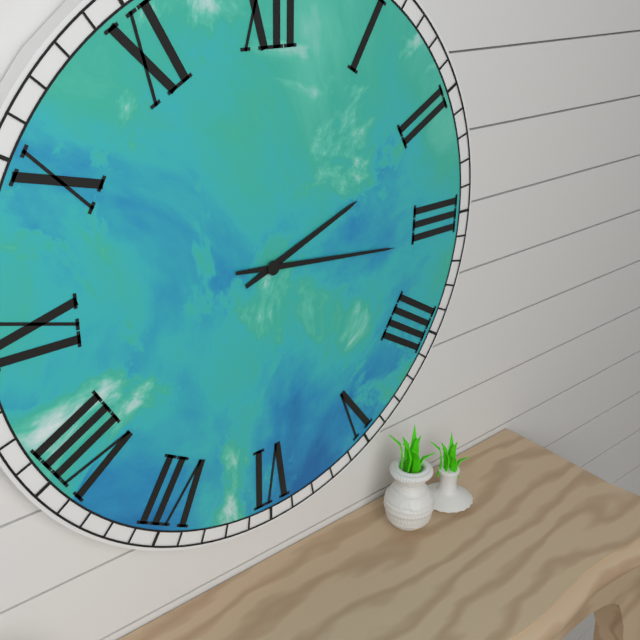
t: 2:16
